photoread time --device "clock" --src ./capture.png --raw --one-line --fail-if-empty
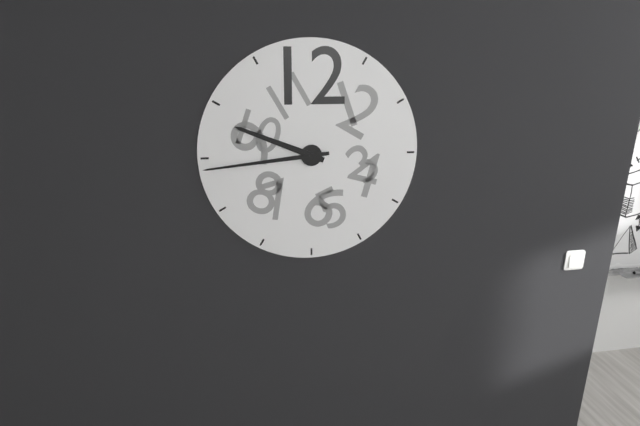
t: 9:44
